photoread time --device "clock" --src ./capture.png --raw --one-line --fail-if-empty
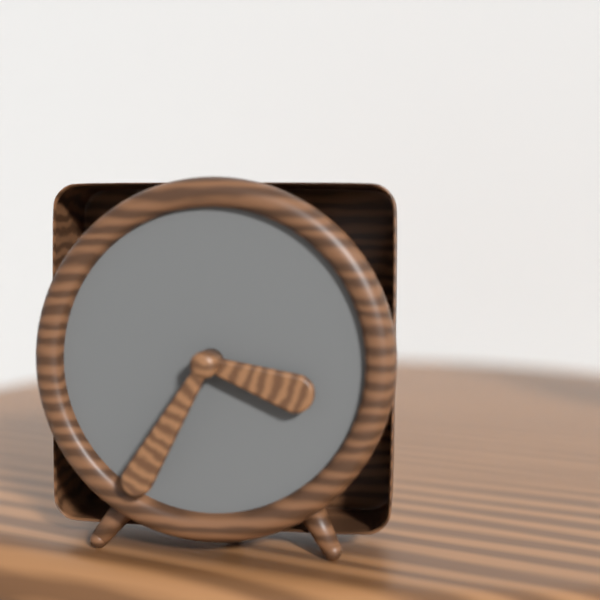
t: 3:35
